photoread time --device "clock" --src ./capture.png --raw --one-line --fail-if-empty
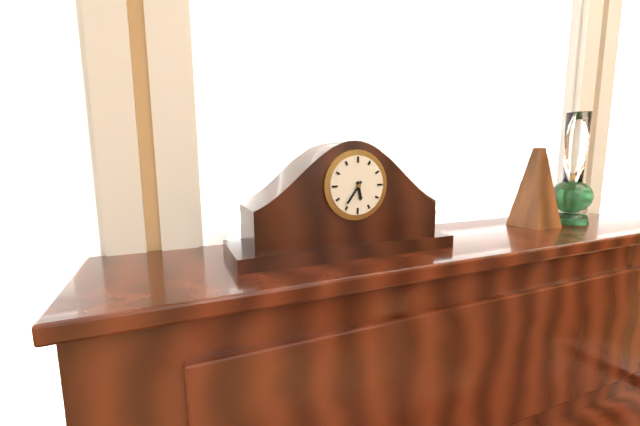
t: 5:36
